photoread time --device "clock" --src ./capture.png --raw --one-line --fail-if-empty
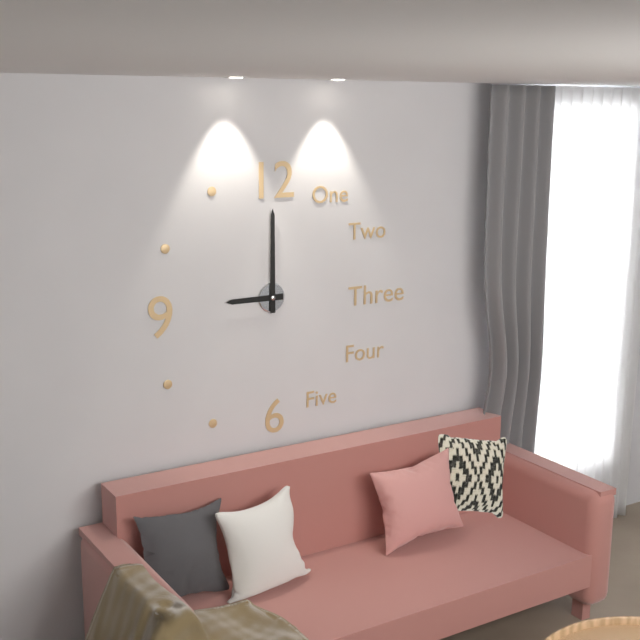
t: 9:00
